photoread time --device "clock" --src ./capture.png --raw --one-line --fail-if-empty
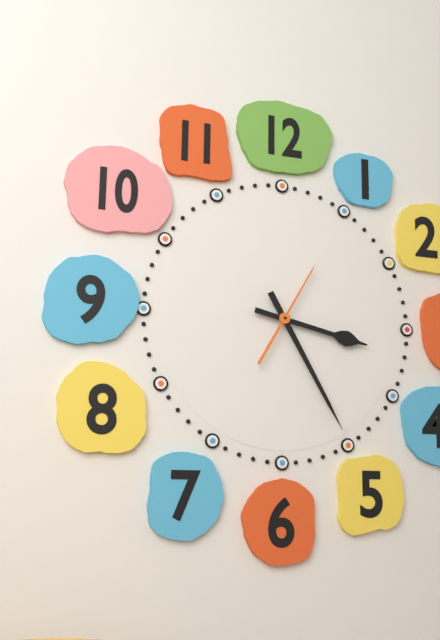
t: 3:25:05
